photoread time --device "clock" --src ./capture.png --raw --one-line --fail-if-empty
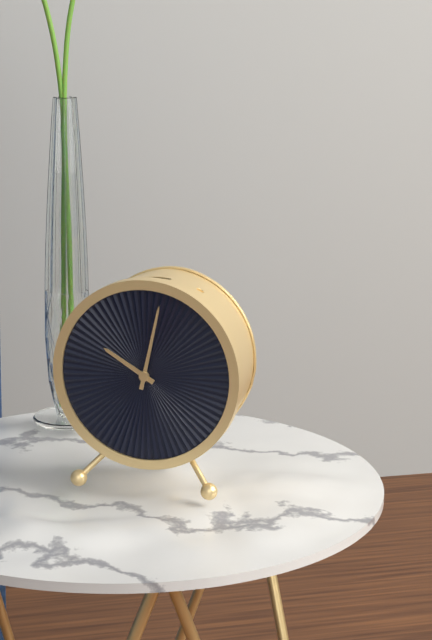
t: 10:02
